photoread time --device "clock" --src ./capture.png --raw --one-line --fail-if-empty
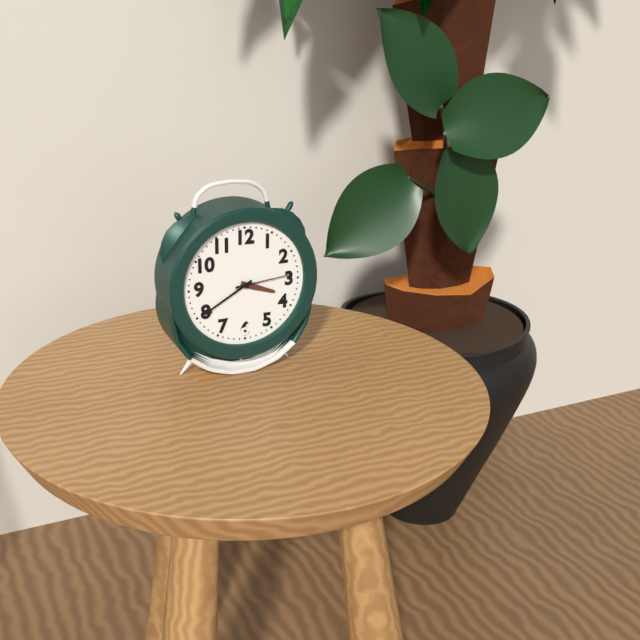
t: 3:40:14
